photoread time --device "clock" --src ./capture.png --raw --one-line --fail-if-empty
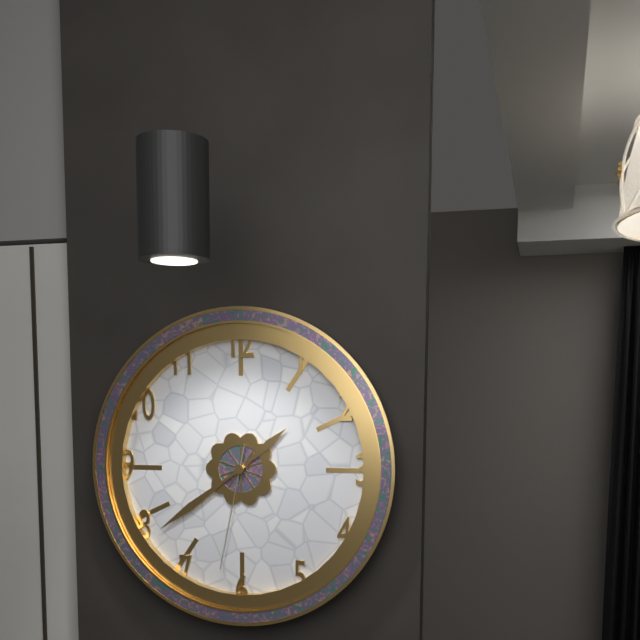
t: 1:39:32
